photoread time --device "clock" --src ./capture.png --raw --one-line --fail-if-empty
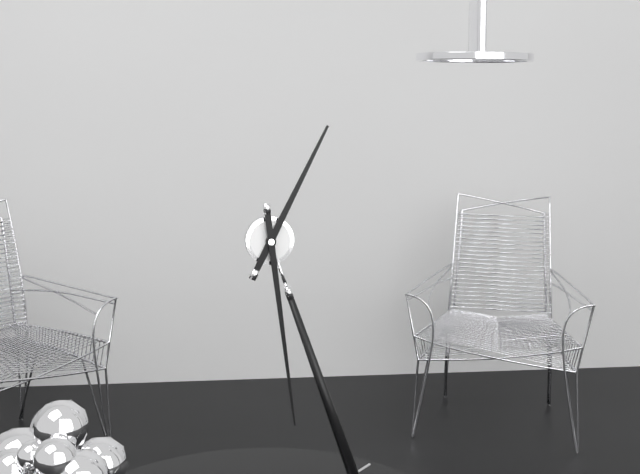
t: 1:32
